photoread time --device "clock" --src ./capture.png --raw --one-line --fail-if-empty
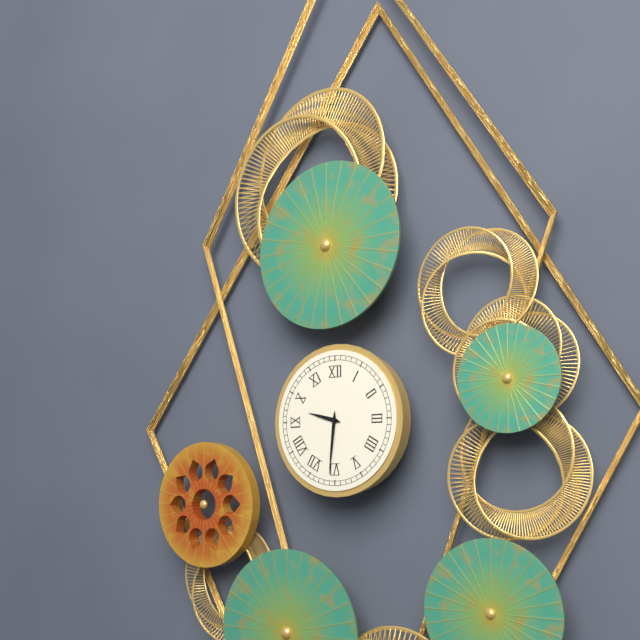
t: 9:31
